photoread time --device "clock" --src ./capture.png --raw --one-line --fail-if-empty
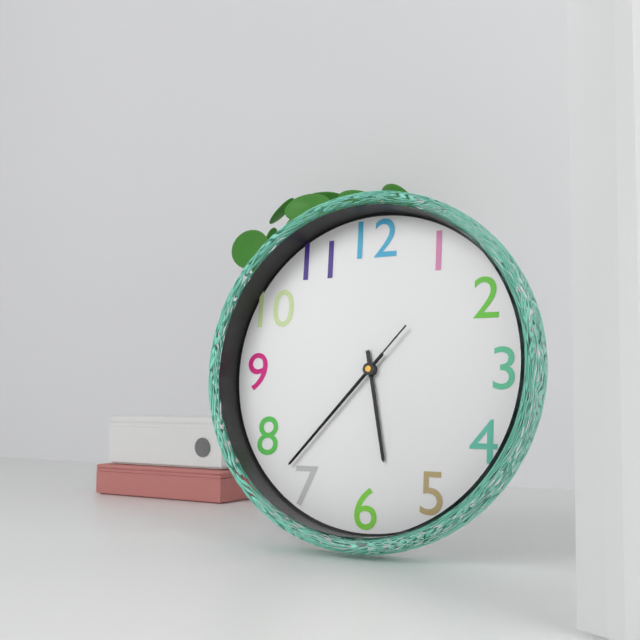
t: 5:37:37
